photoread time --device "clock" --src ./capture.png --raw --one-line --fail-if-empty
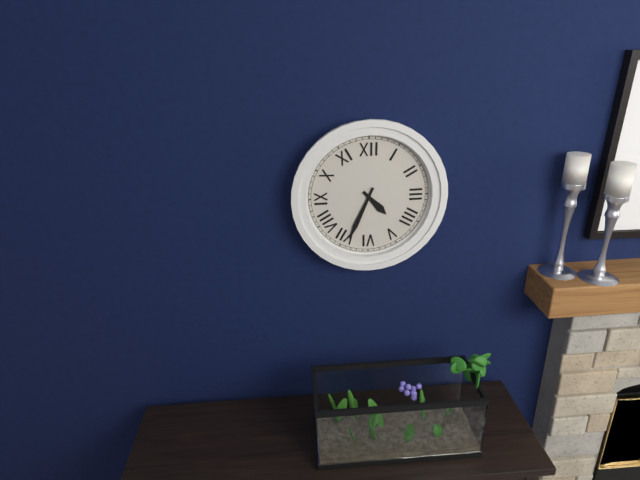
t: 4:34
